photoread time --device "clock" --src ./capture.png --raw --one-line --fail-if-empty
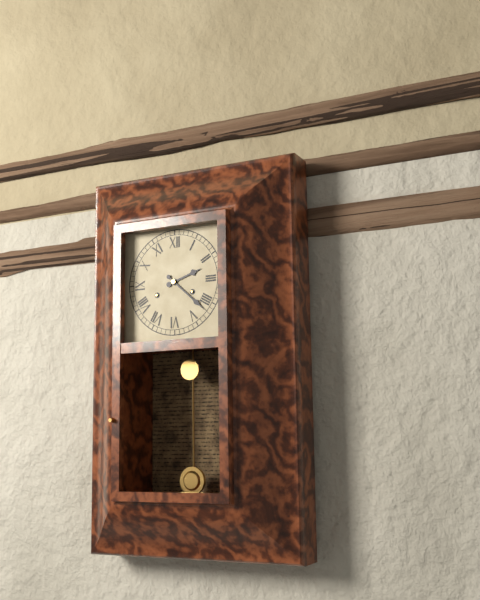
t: 2:22
